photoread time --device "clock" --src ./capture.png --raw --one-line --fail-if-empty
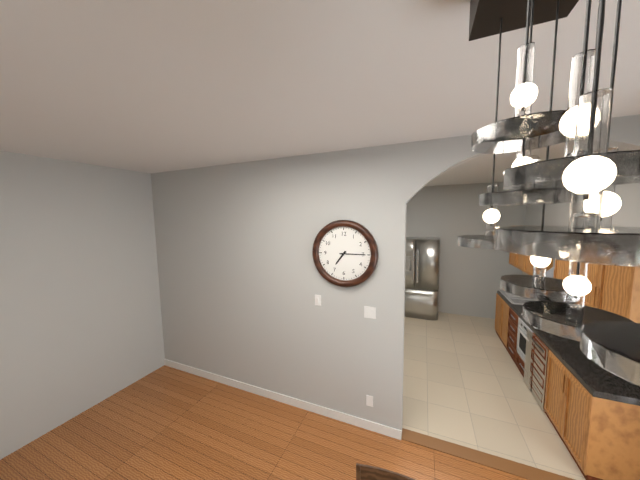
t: 7:15
